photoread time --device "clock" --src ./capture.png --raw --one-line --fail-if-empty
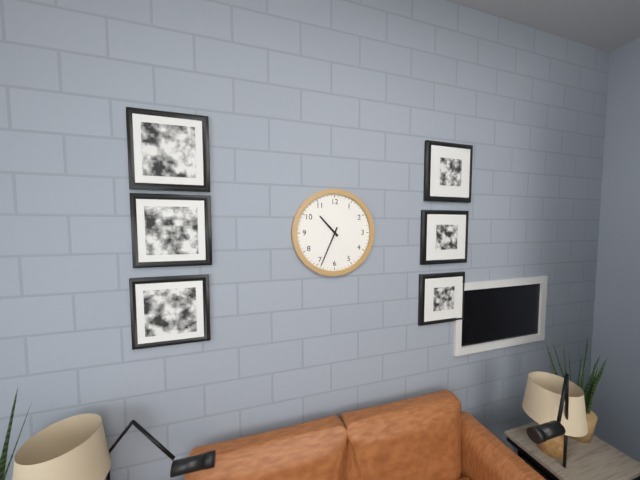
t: 10:34
